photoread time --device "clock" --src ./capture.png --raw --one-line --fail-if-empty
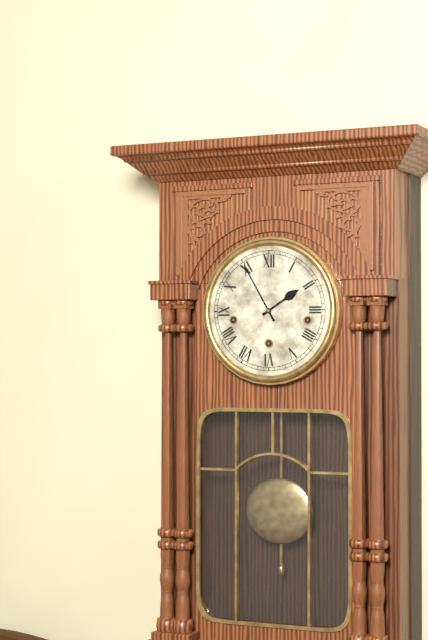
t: 1:55
